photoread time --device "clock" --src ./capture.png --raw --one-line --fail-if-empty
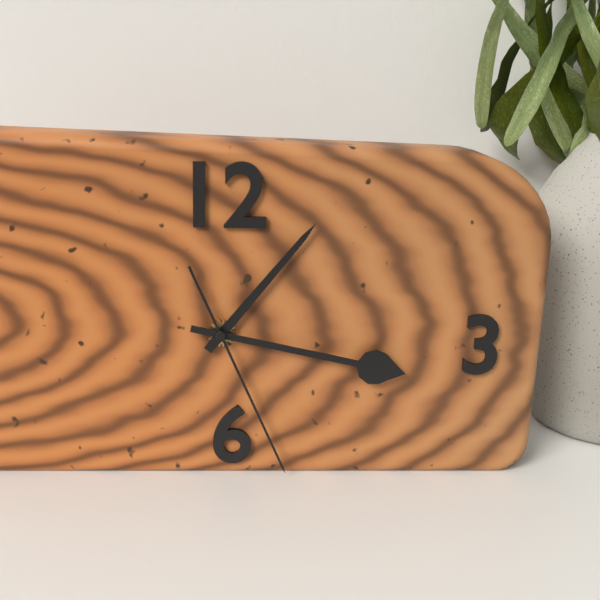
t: 1:17:26
